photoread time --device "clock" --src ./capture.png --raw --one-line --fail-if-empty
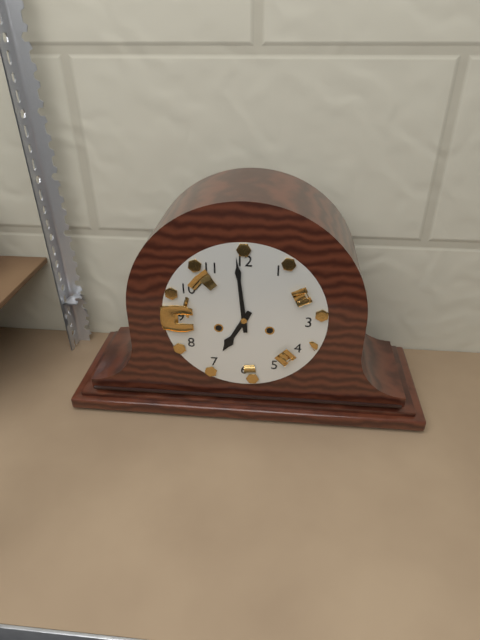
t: 6:59
